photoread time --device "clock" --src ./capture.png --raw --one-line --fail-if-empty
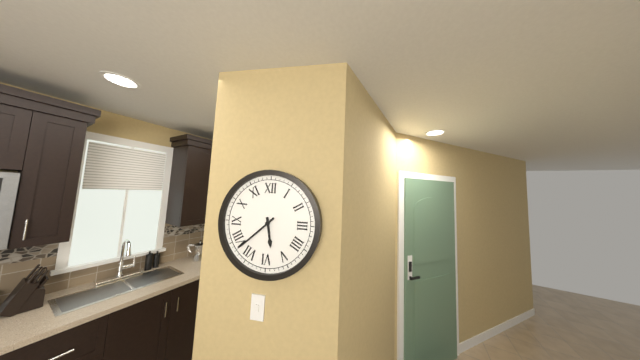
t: 5:38
